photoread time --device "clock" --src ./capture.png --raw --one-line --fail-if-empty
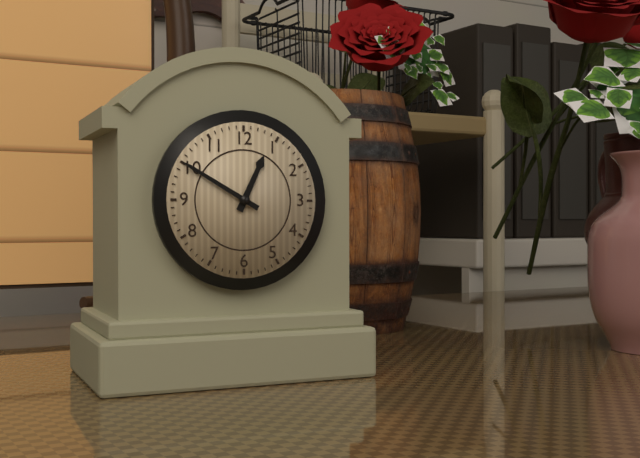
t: 12:50
